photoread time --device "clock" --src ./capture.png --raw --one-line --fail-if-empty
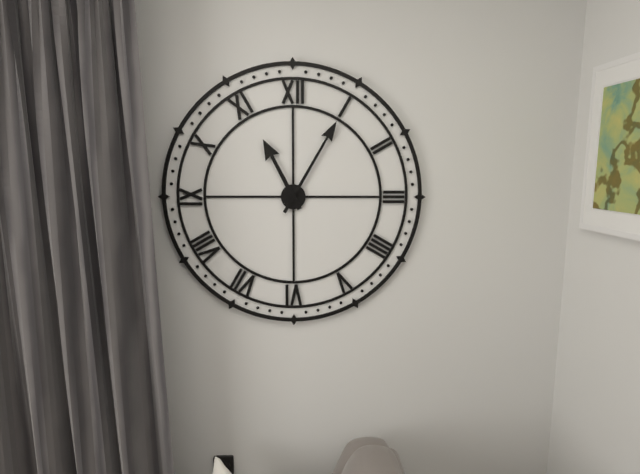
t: 11:05
